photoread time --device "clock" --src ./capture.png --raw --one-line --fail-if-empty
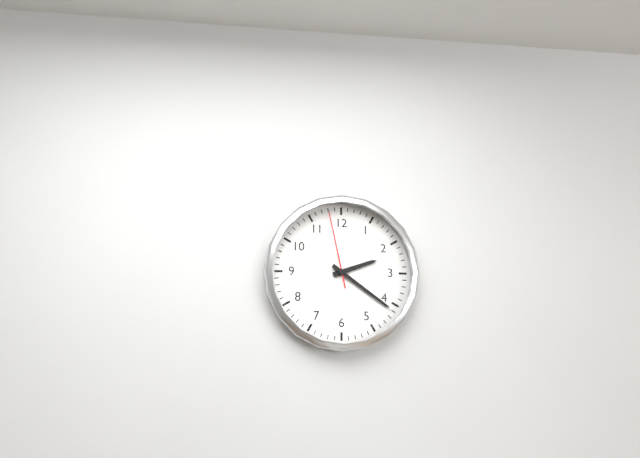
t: 2:21:58
